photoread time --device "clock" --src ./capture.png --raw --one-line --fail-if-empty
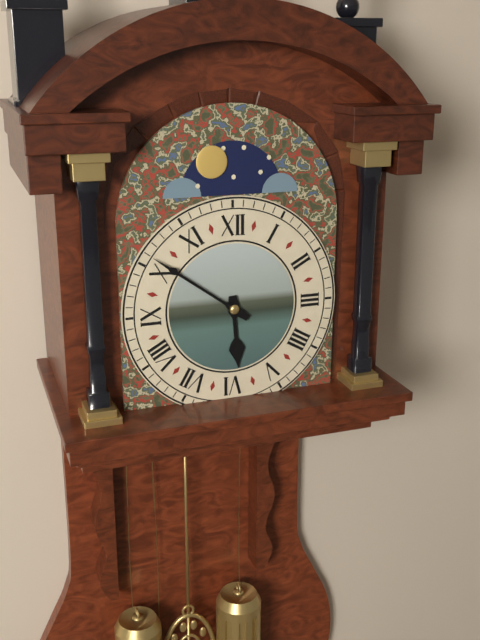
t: 5:51
